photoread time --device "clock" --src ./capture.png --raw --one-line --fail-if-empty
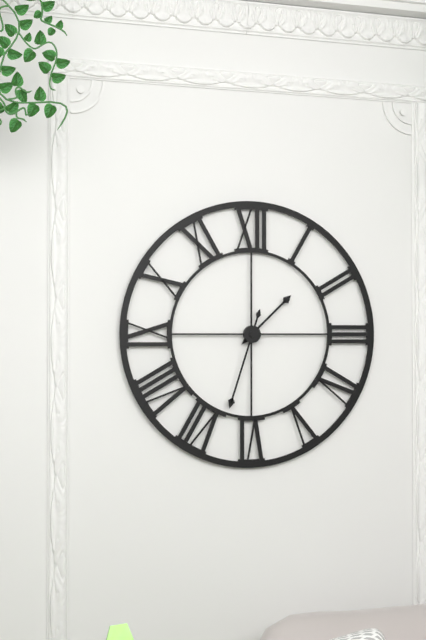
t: 1:33
